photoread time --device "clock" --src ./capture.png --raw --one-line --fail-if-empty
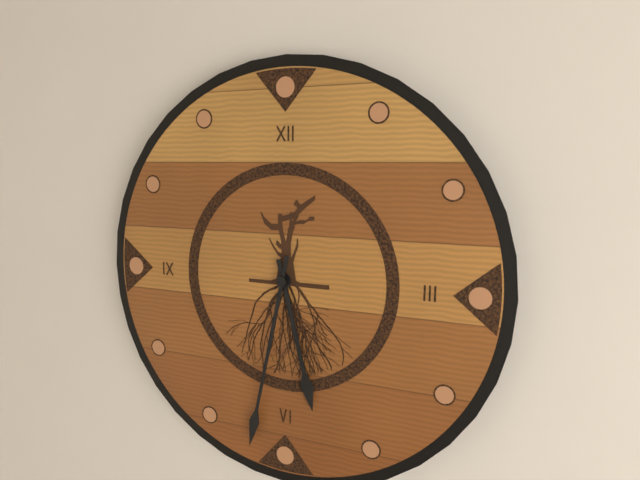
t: 5:32
